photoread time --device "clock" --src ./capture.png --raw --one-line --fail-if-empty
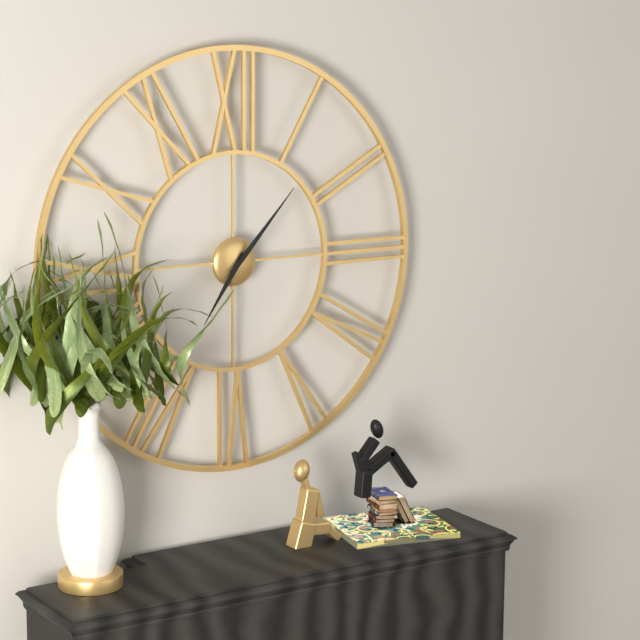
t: 7:07
